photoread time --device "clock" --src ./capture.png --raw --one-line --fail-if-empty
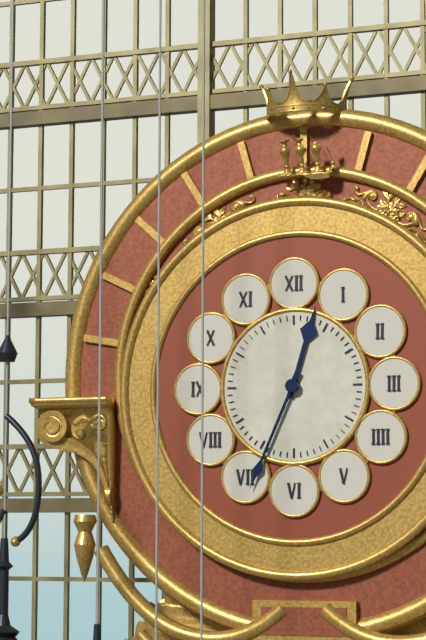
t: 12:34
